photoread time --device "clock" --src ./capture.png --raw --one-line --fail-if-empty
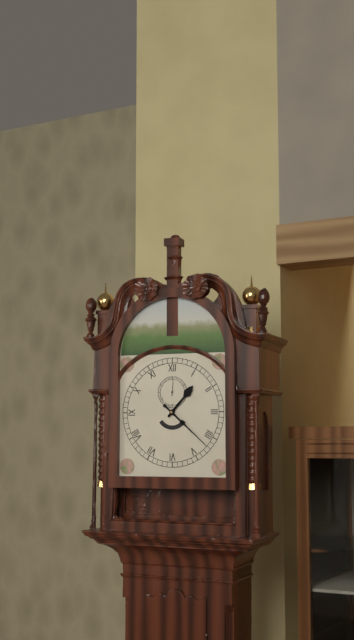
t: 1:22
